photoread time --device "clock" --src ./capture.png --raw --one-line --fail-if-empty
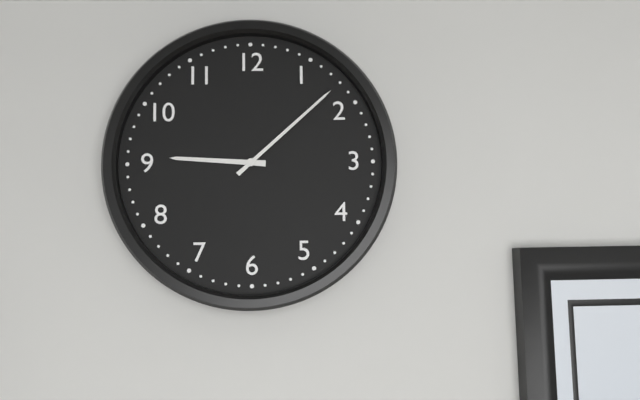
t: 9:08
